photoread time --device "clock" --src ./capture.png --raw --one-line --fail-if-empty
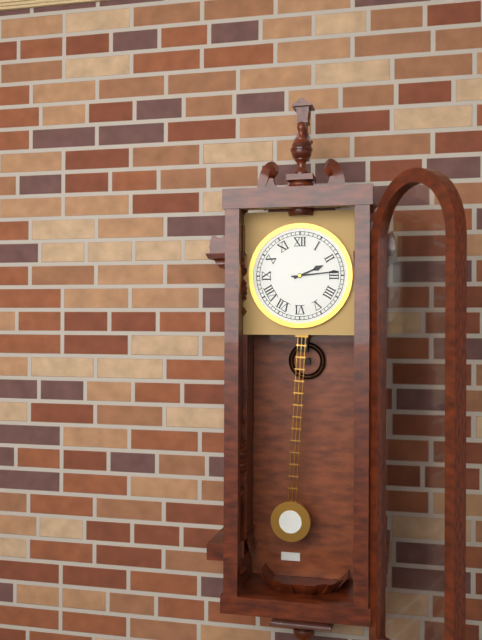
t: 2:14
